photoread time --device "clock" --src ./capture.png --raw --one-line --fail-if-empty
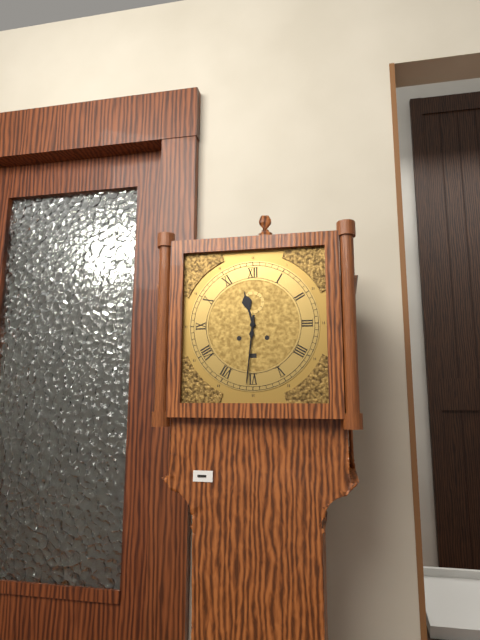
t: 11:31
